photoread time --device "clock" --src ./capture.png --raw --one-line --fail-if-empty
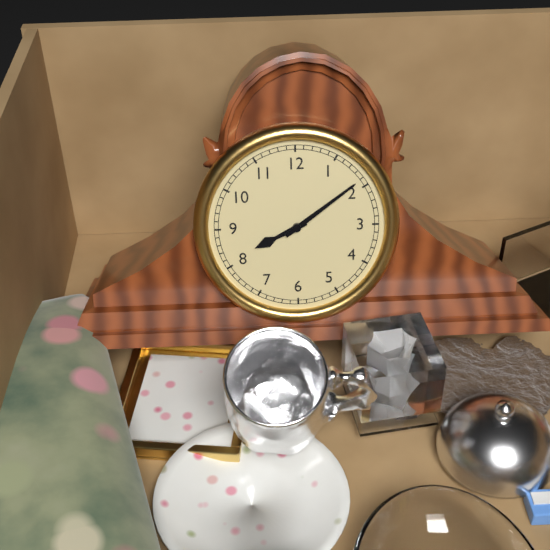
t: 8:09
